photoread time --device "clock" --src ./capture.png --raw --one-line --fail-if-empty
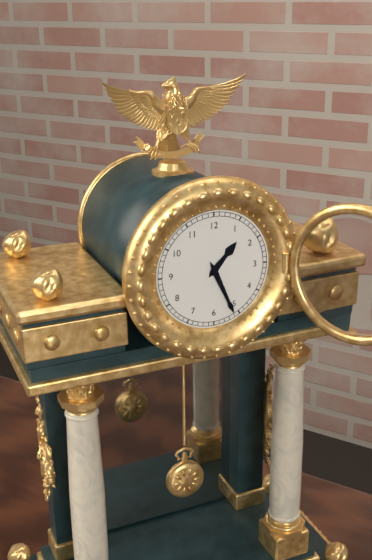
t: 1:26
